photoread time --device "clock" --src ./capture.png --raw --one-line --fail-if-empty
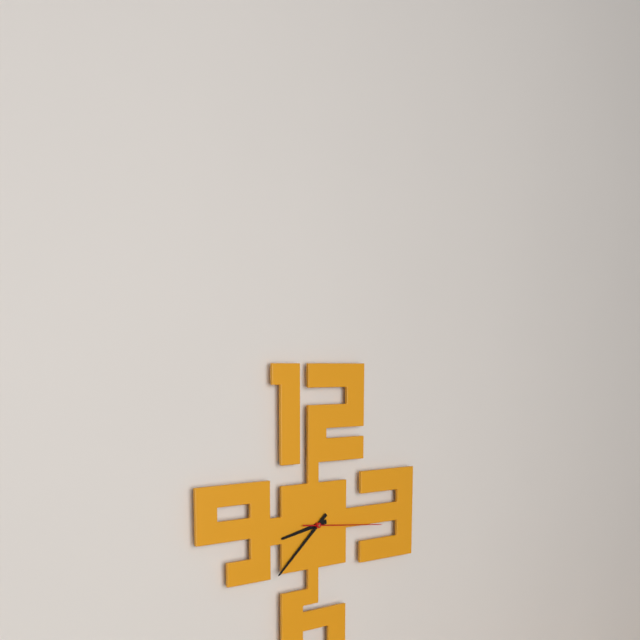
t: 8:38:16
